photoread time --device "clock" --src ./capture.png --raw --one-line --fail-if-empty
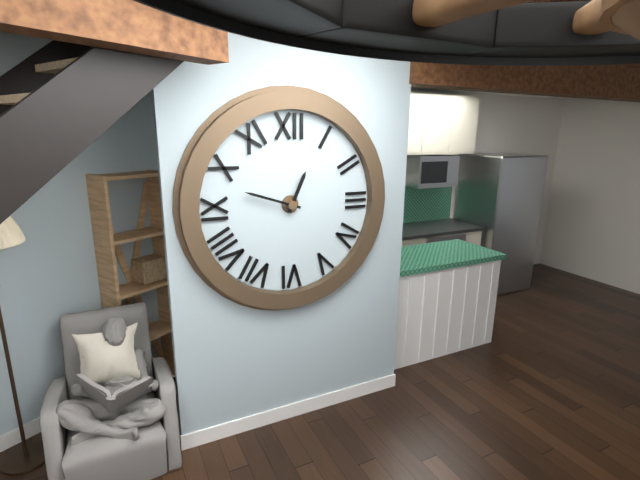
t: 12:48
